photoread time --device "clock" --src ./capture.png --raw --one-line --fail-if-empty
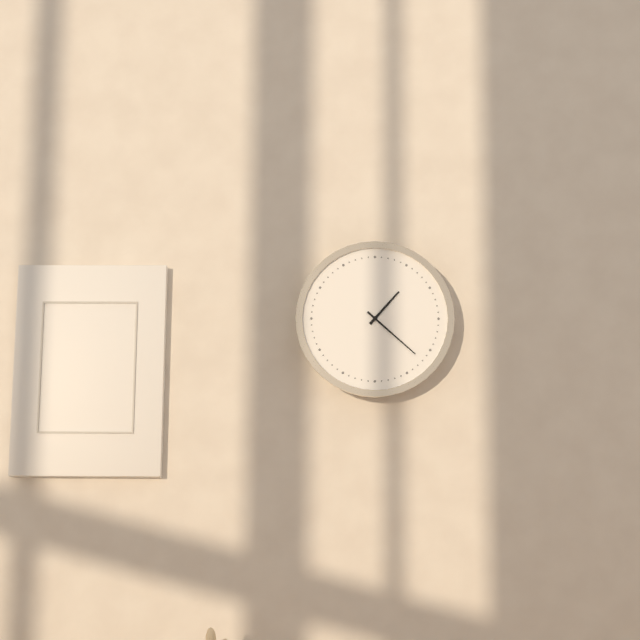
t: 1:22
